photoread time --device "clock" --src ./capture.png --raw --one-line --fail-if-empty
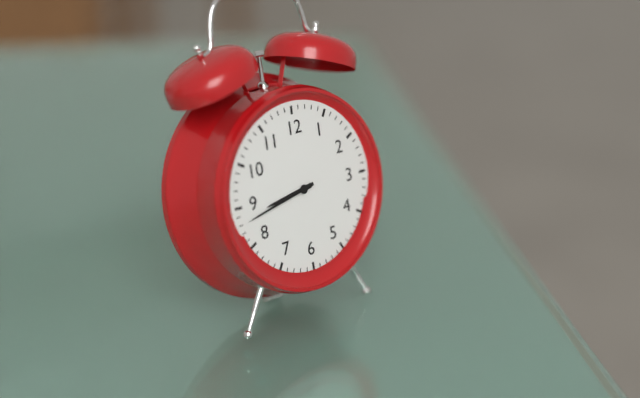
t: 8:43
